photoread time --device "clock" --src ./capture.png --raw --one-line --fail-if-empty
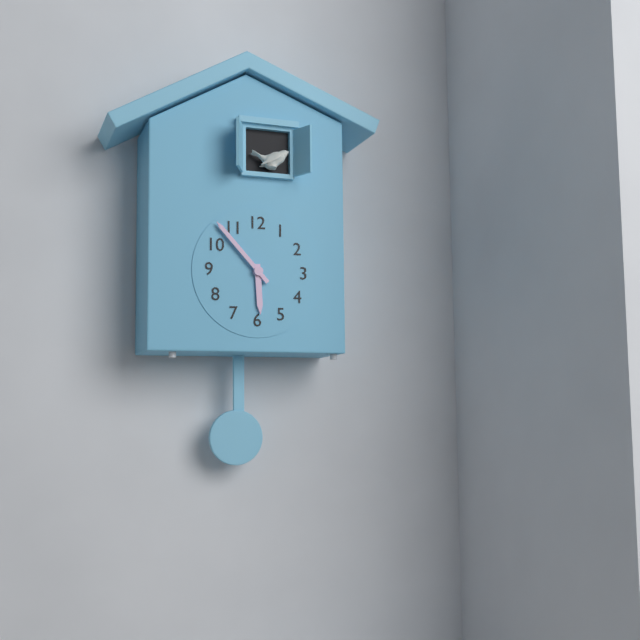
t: 5:53
